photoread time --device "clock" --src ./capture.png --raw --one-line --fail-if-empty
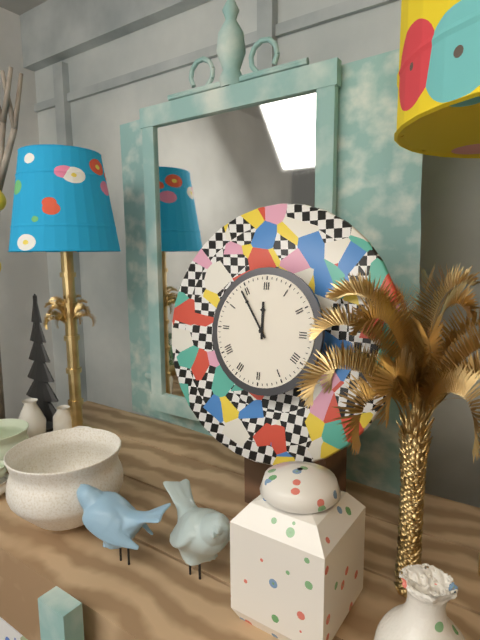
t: 11:54
